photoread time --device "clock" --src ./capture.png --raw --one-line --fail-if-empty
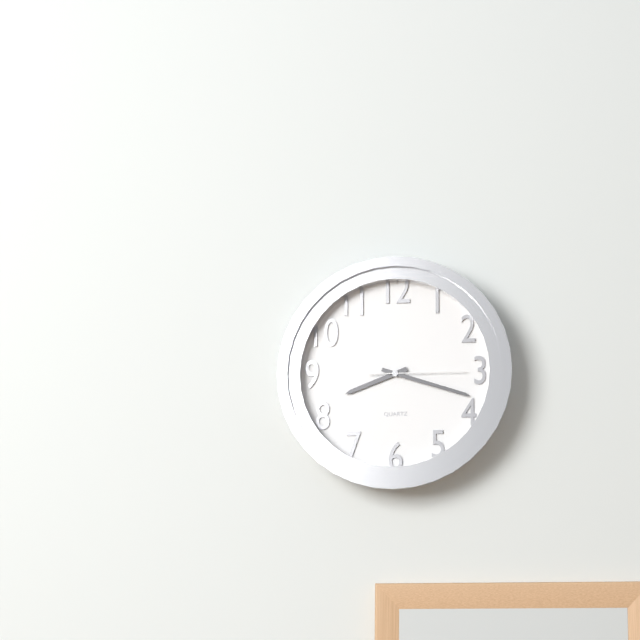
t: 8:18:15
